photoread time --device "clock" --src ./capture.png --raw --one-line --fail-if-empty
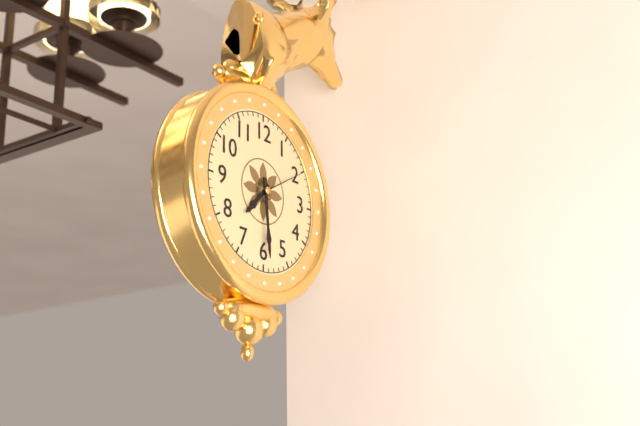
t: 7:29:10
